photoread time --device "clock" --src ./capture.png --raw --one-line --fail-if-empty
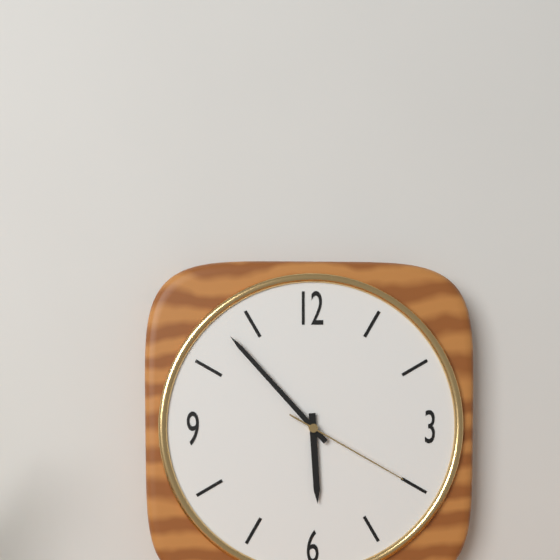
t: 5:53:20
